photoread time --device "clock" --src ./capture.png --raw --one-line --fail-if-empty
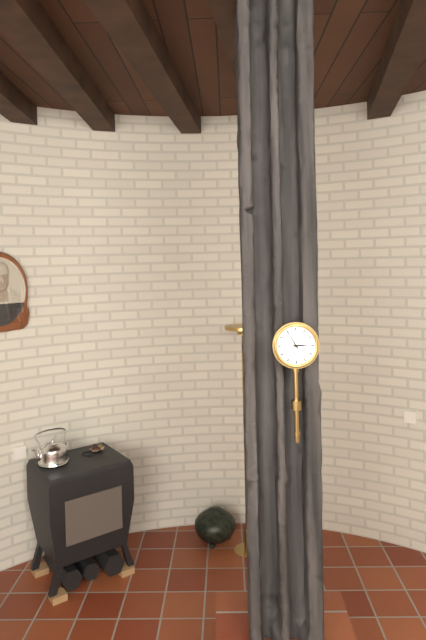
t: 2:55
